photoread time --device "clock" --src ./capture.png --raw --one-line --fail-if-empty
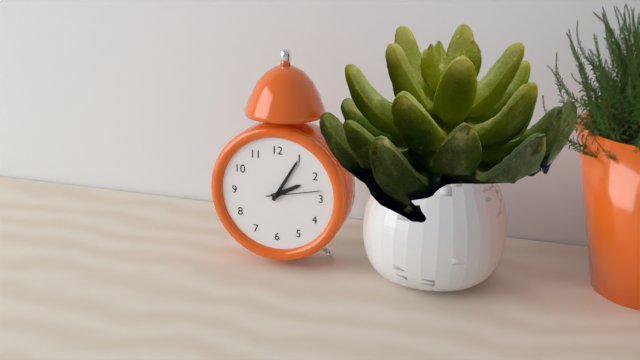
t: 2:05:13
